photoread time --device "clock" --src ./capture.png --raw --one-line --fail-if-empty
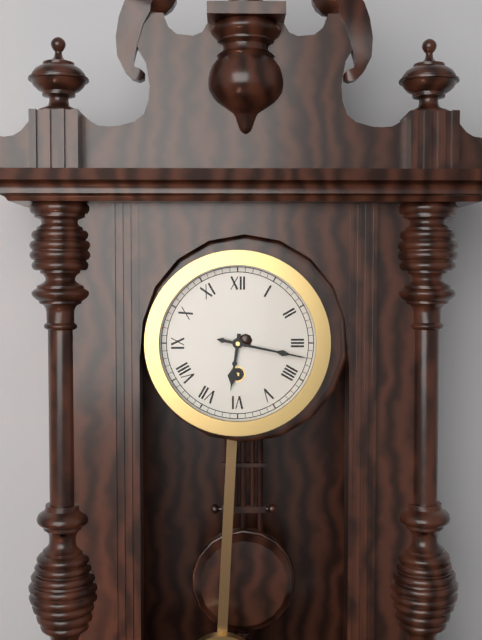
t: 6:17
